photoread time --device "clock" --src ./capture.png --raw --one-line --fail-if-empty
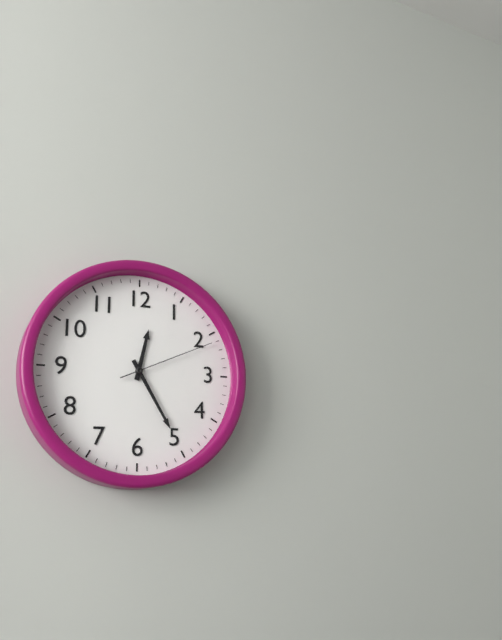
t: 12:25:11
